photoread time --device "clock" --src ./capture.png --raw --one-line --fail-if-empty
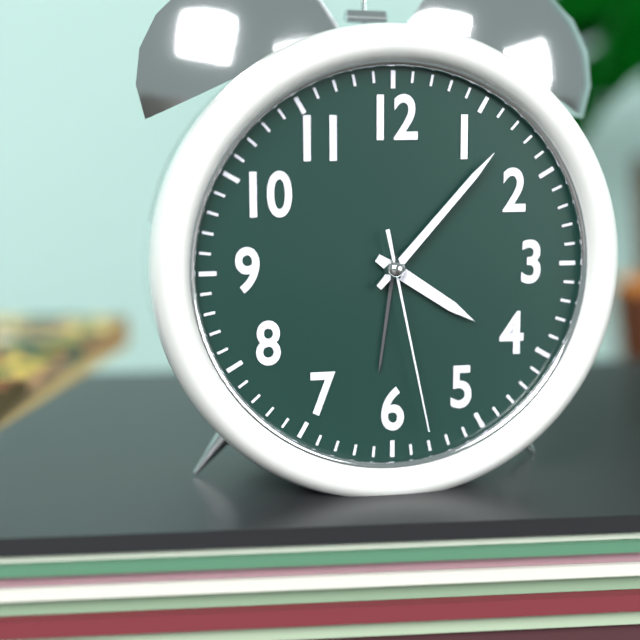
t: 4:07:28
